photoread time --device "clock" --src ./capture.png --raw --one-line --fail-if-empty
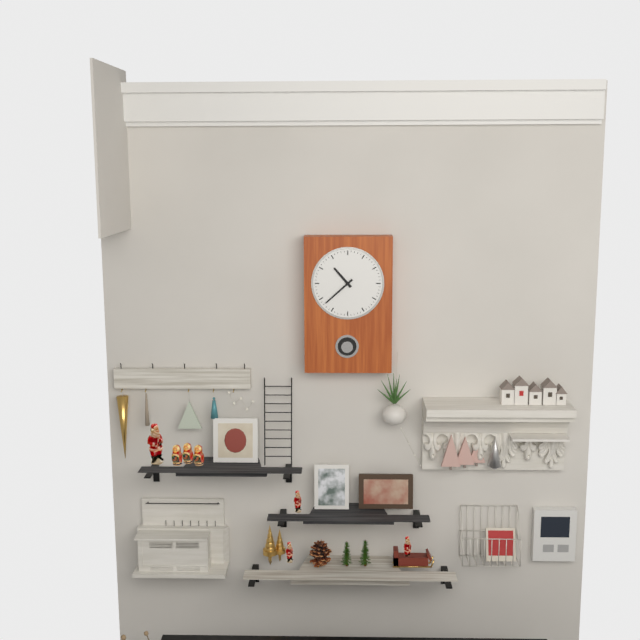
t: 10:38
